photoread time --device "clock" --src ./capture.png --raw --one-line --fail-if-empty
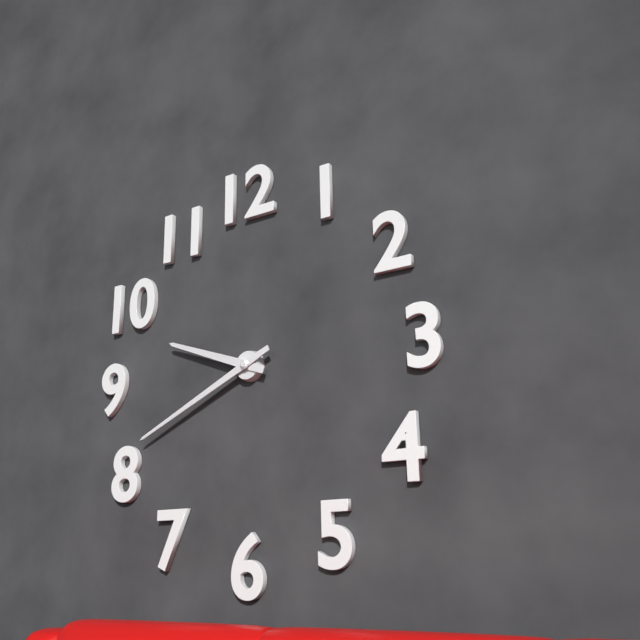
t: 9:41
